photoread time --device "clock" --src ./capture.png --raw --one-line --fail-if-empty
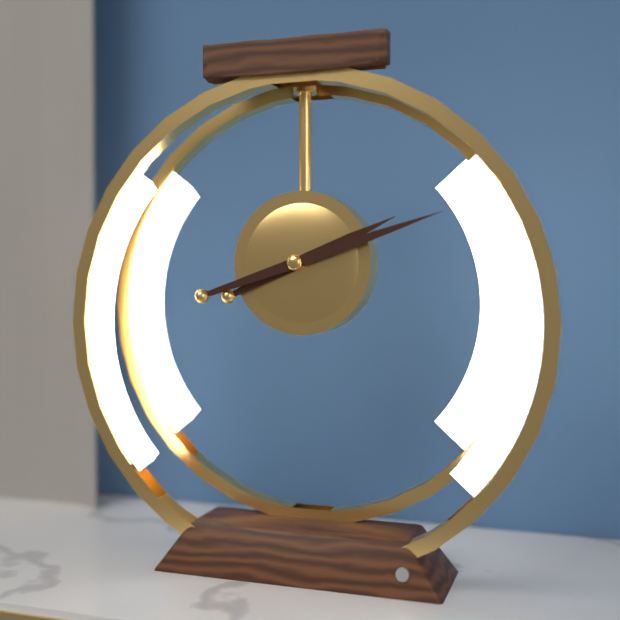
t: 2:12
